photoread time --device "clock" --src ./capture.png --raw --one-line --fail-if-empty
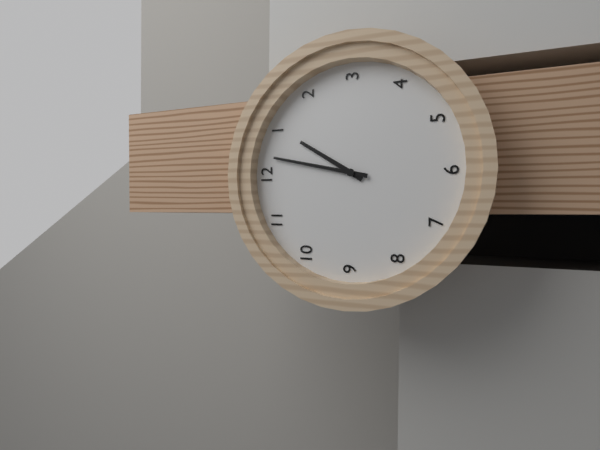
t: 1:02
